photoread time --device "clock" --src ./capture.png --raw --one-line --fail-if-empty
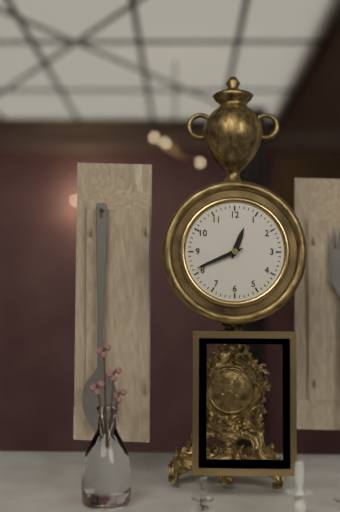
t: 12:41
